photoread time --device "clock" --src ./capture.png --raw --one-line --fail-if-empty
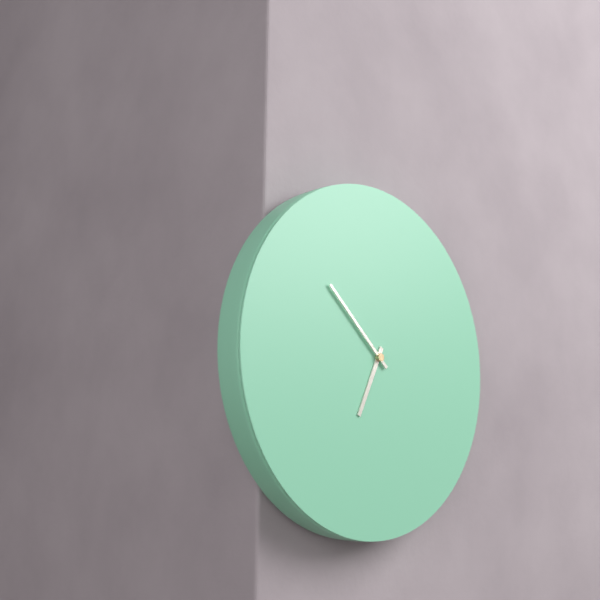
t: 6:52
